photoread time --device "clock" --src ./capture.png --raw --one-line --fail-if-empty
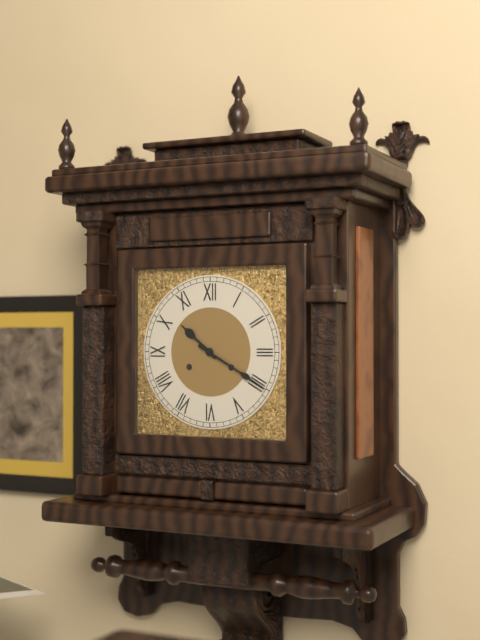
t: 10:20
